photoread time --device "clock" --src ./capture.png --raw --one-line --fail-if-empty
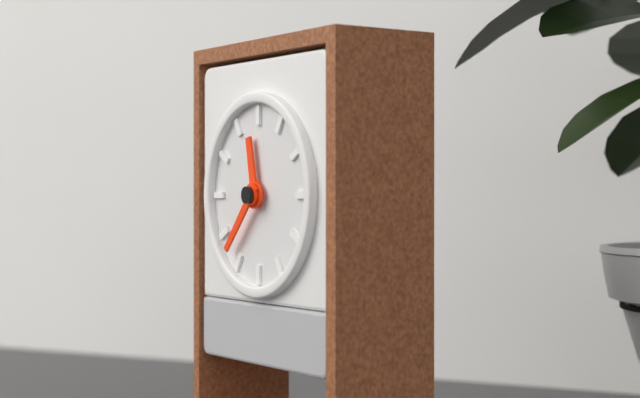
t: 11:37
